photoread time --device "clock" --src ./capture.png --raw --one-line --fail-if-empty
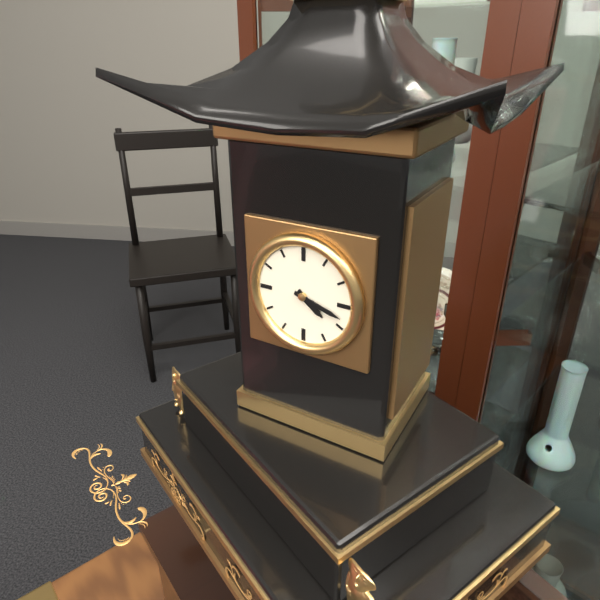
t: 4:18
